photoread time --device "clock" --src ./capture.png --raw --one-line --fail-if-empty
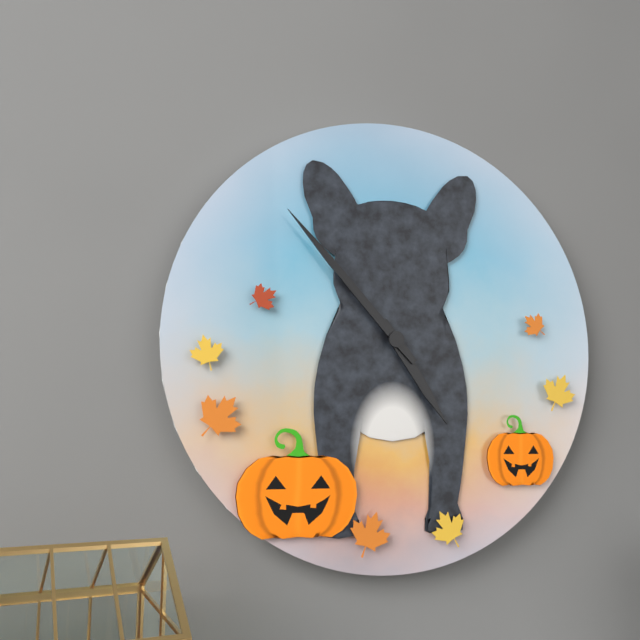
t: 4:53
